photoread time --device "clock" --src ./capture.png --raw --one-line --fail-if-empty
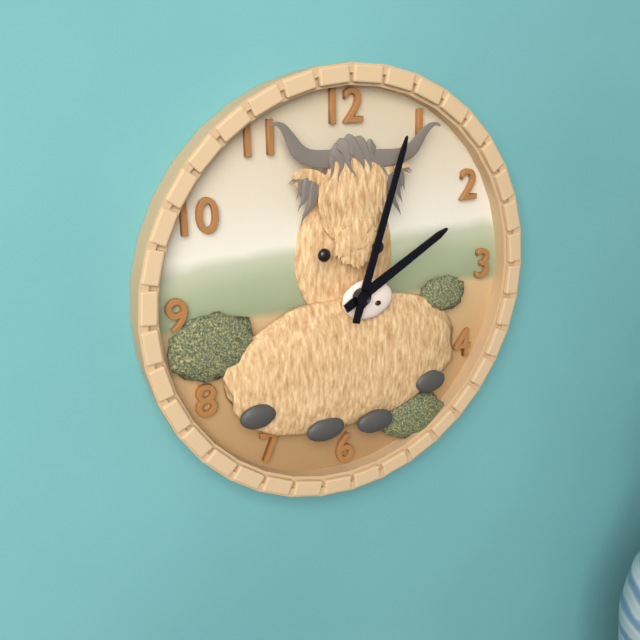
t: 2:03
